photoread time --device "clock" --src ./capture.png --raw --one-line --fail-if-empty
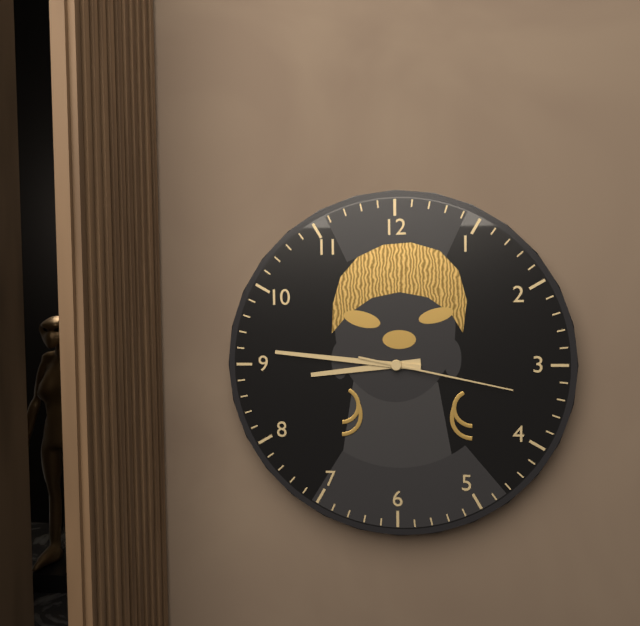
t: 8:46:17
